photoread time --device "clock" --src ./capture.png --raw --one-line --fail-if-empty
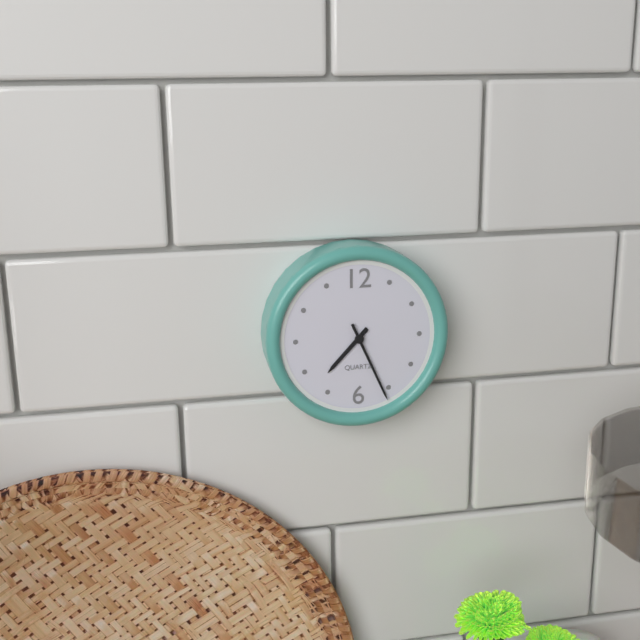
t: 7:26
